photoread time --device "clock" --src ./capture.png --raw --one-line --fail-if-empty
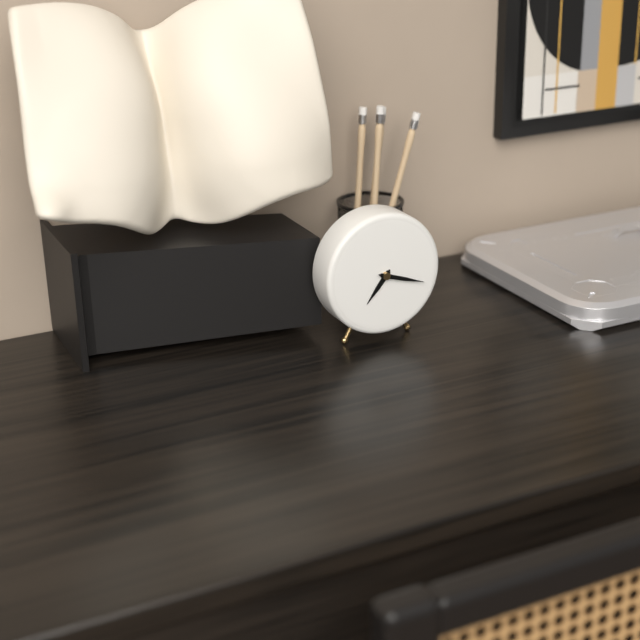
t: 7:18
